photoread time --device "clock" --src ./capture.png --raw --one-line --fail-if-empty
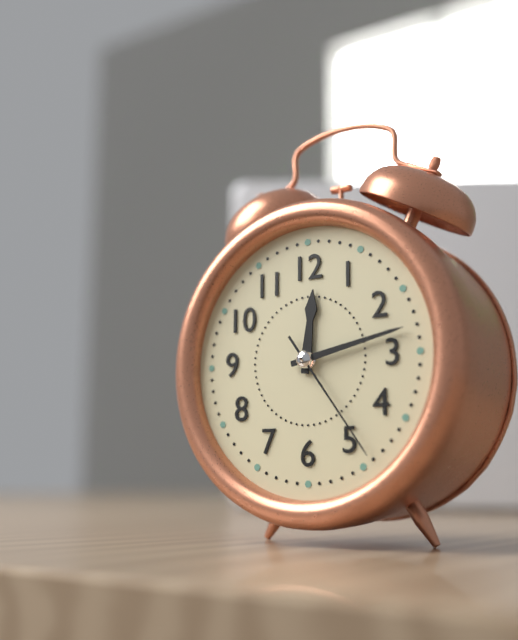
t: 12:13:24
